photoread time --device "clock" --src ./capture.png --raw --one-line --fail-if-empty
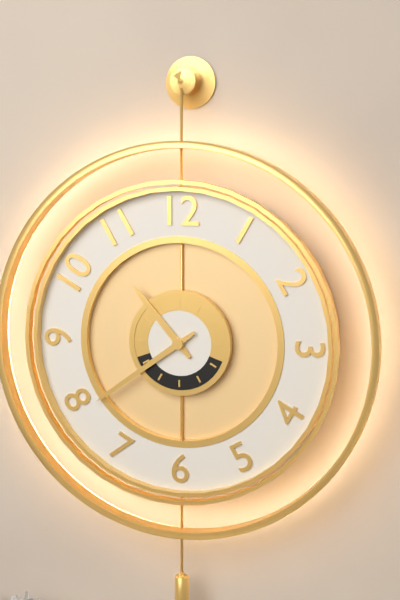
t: 10:39
